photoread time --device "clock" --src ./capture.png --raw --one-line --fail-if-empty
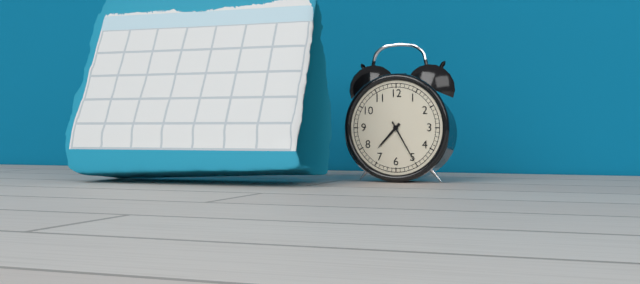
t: 7:25
